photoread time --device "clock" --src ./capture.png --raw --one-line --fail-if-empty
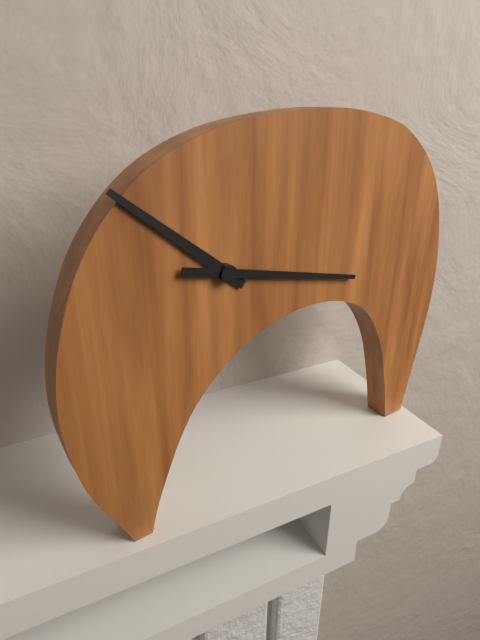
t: 10:17
